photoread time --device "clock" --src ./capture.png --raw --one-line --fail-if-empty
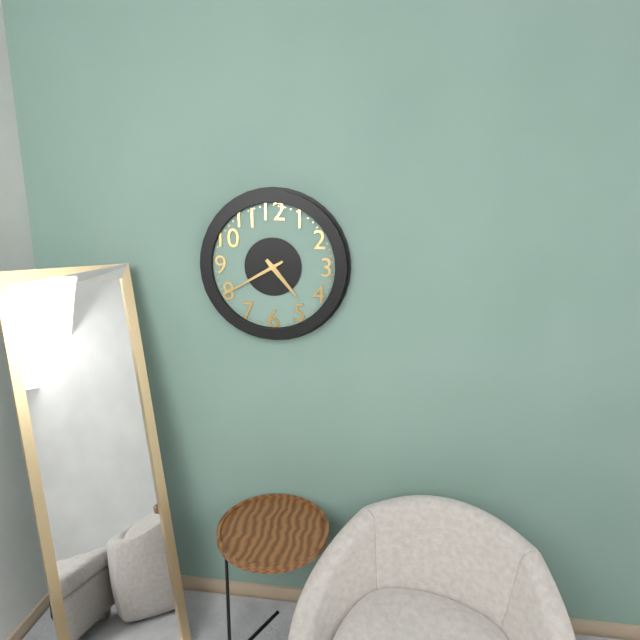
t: 4:40
